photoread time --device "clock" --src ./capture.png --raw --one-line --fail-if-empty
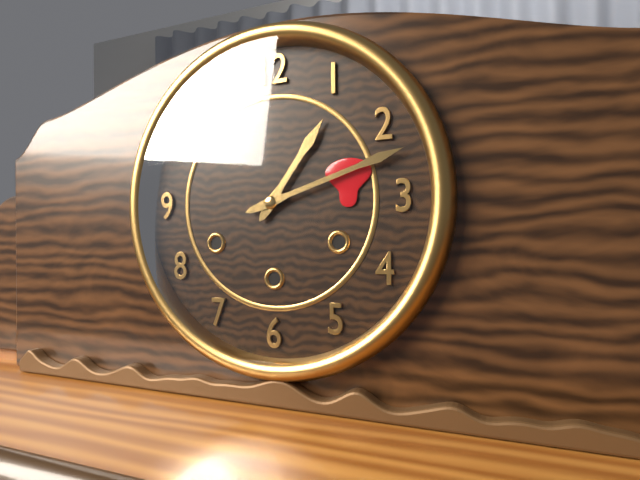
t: 1:12
